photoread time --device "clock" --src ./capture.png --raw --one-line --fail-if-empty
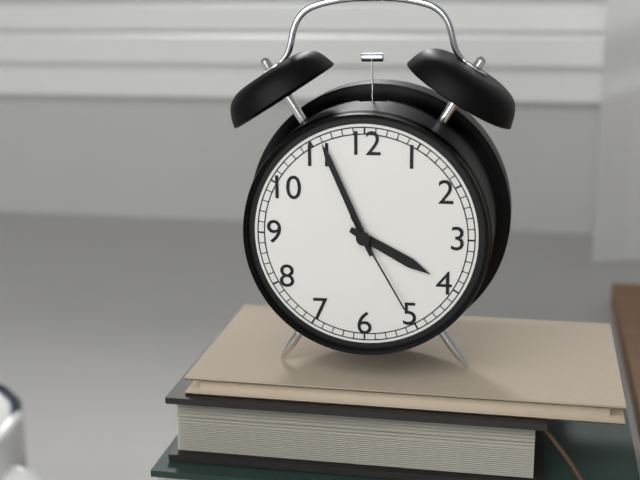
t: 3:56:25
